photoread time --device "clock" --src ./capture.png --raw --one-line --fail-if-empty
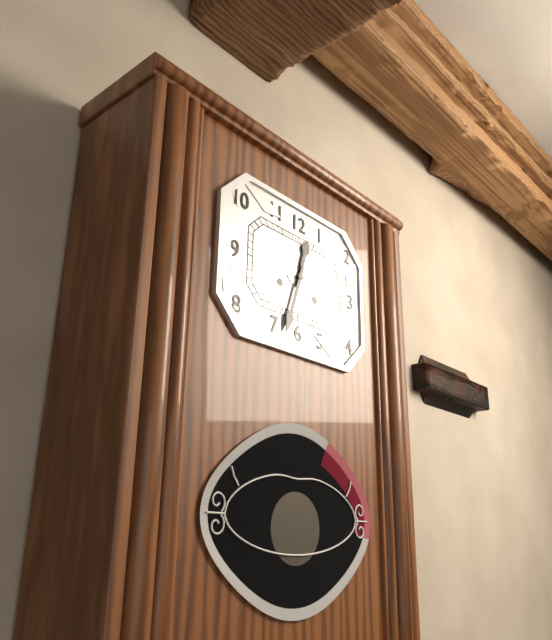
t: 12:33
